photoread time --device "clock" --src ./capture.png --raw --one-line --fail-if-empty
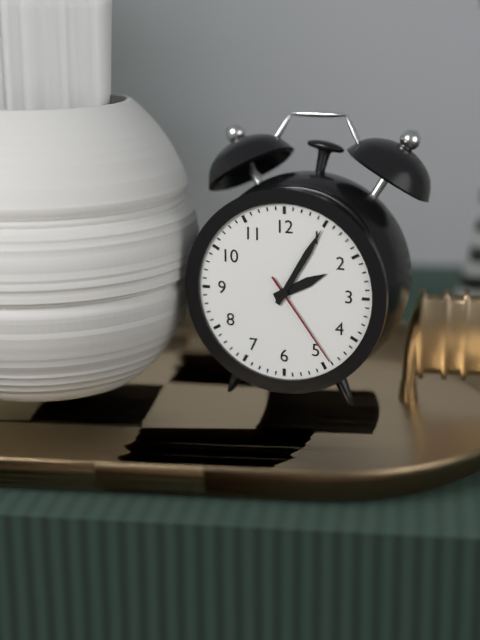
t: 2:05:24
